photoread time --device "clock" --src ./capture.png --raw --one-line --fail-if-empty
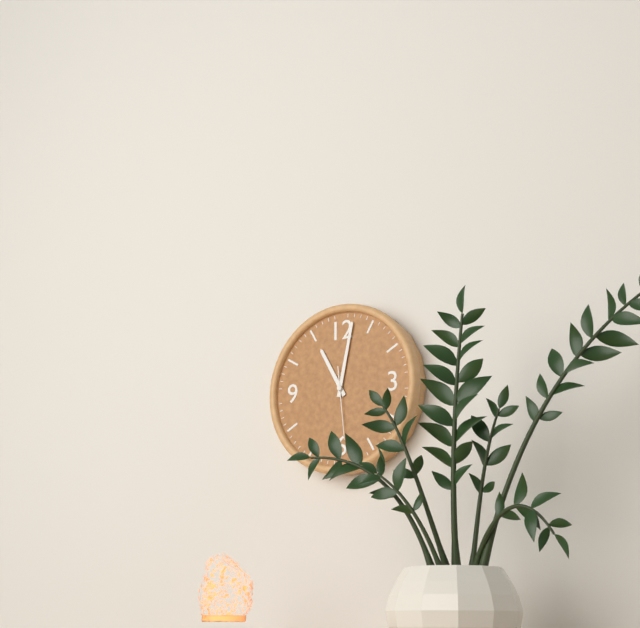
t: 11:02:29
